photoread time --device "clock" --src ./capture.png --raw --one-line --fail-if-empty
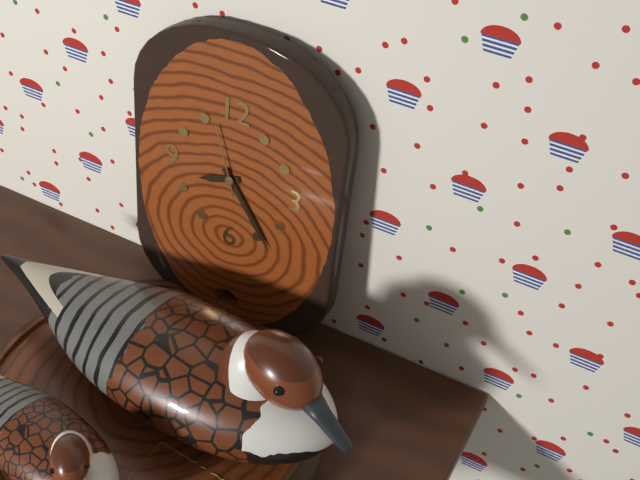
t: 8:24:57
